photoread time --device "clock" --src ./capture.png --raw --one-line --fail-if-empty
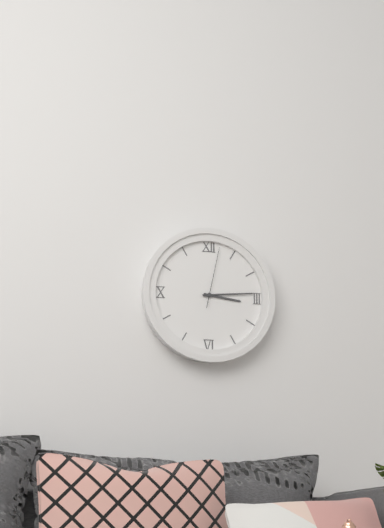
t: 3:14:02
